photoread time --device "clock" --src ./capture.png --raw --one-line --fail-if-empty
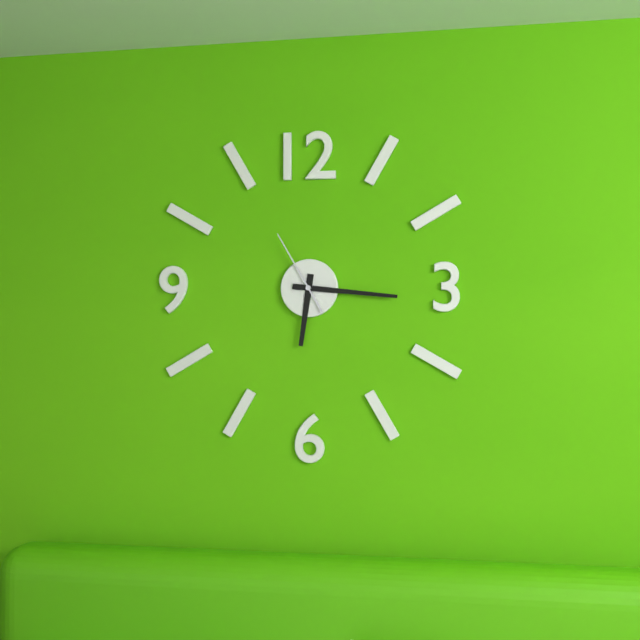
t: 6:16:55
